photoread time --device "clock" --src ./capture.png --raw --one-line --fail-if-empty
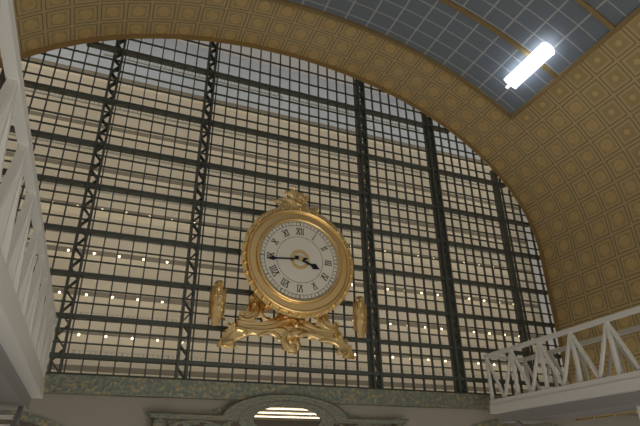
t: 3:44
